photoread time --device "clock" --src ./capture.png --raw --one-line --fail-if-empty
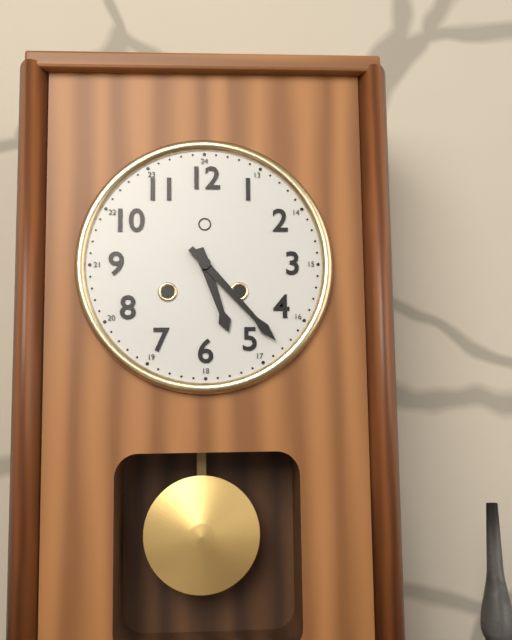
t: 5:23
